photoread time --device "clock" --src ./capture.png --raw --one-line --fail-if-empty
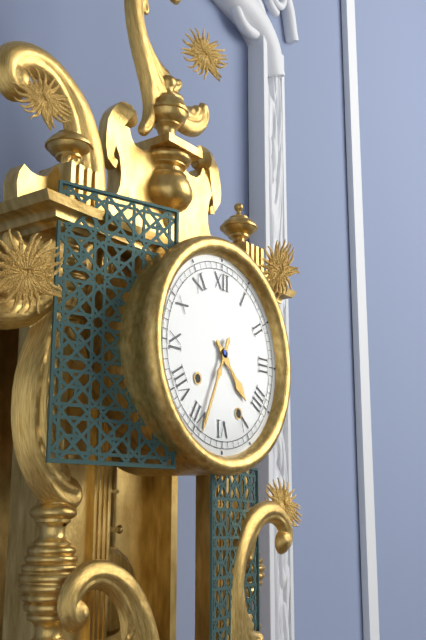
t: 4:34
